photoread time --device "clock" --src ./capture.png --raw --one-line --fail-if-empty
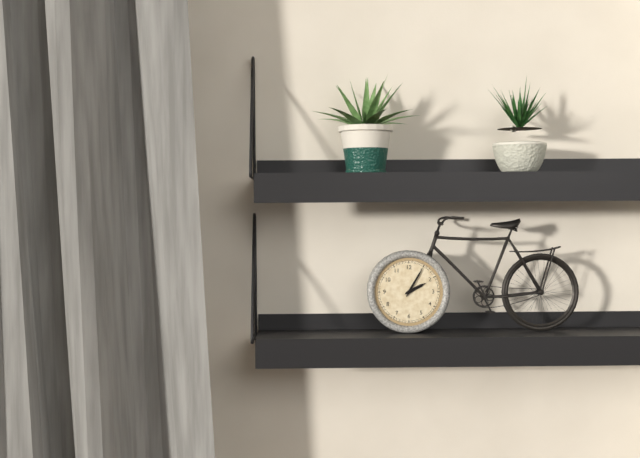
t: 2:05
